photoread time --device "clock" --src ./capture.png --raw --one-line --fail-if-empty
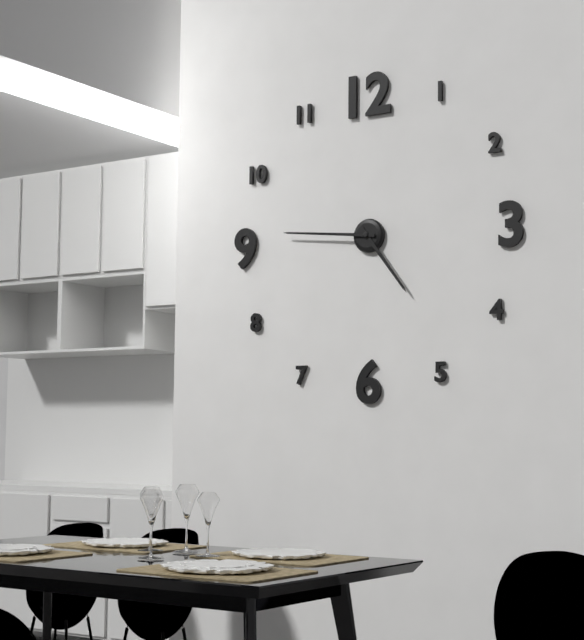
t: 4:46
